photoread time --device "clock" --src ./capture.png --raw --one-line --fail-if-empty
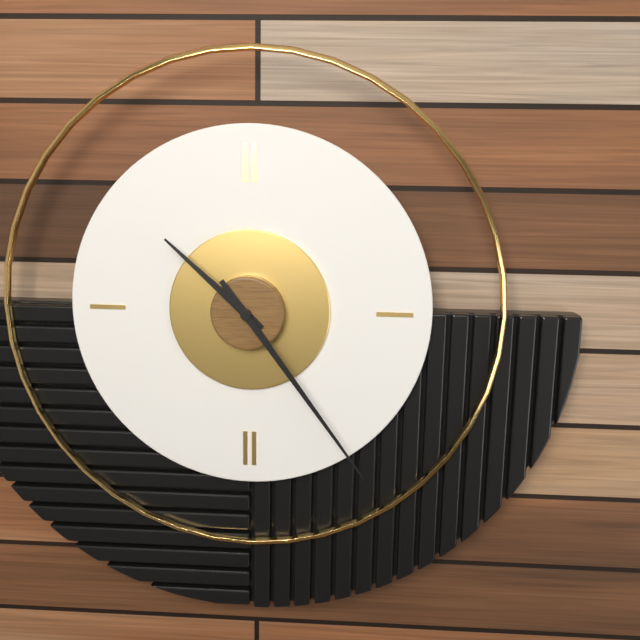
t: 10:24
